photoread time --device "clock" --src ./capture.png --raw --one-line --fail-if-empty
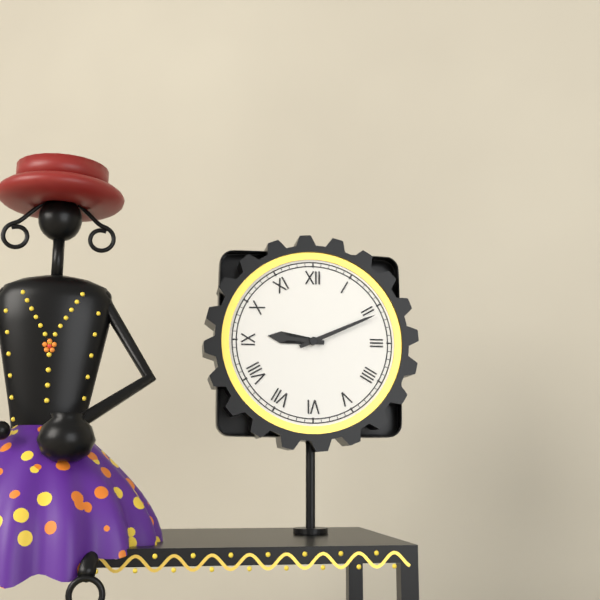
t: 9:11
